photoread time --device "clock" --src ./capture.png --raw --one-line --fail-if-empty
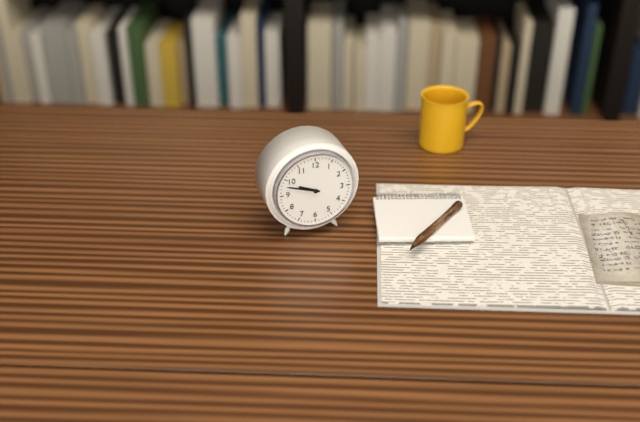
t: 9:48
